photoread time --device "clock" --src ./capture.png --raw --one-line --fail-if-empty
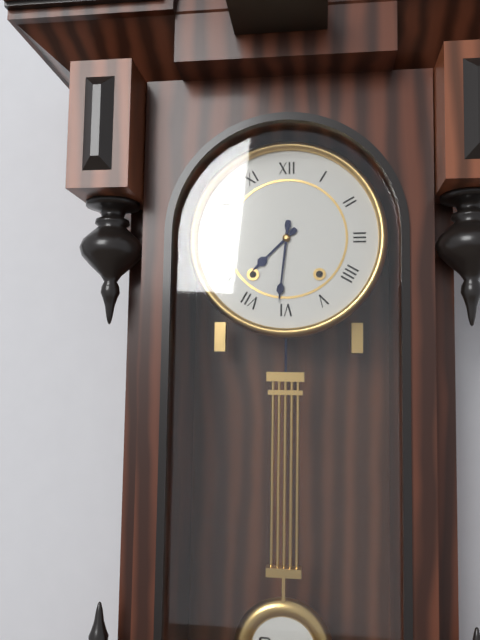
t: 7:31
